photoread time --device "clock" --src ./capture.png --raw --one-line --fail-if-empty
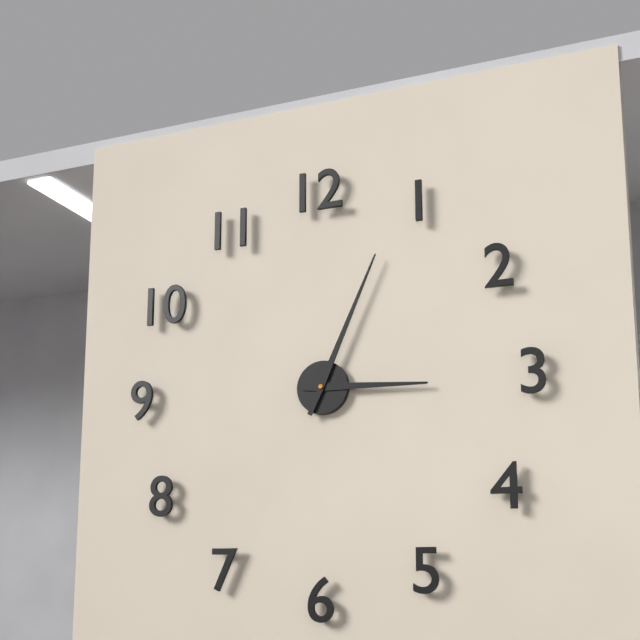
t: 3:04
